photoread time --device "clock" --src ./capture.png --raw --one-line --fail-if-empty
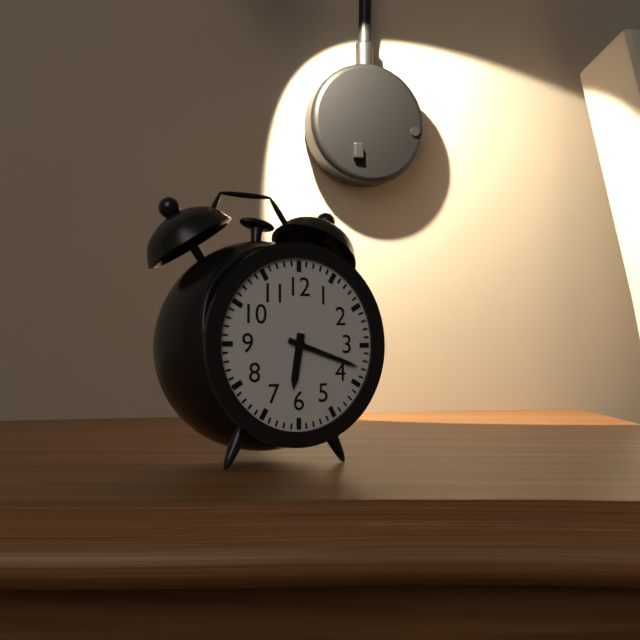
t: 6:18
